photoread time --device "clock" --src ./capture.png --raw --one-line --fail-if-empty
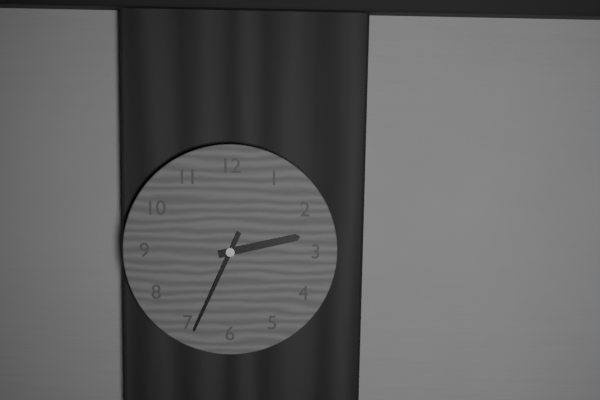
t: 2:34
